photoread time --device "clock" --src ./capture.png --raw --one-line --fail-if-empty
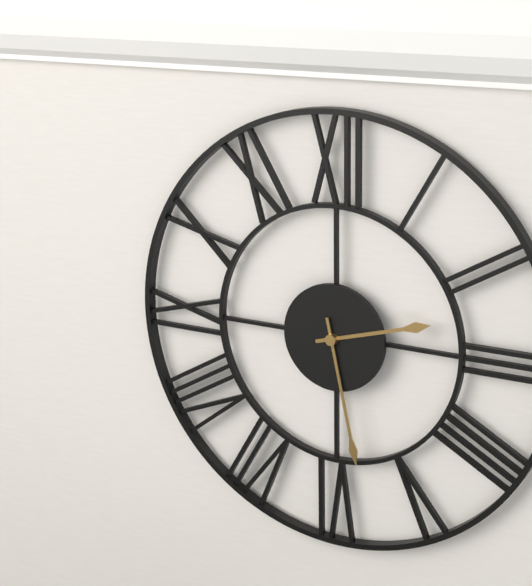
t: 2:28
